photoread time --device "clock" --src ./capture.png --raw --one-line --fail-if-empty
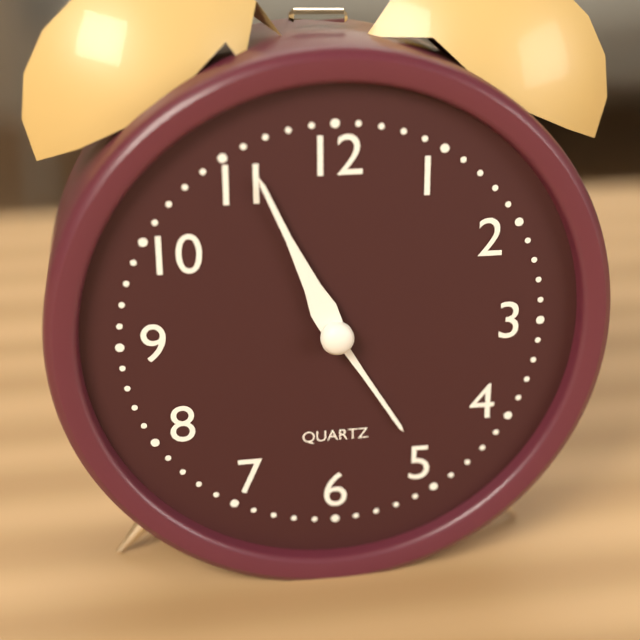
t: 4:56
